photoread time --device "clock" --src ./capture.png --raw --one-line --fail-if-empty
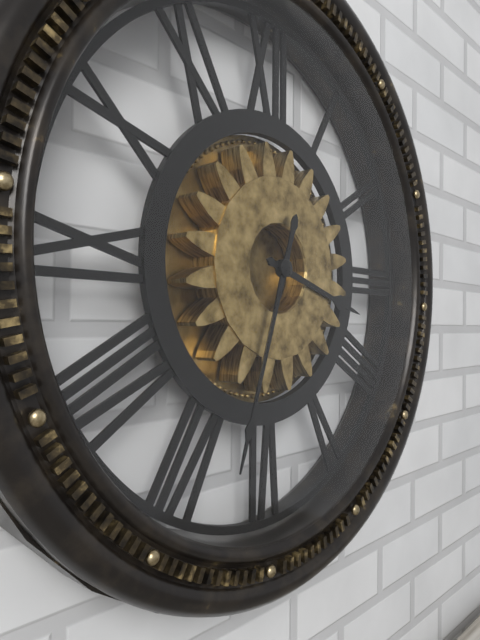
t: 3:33
